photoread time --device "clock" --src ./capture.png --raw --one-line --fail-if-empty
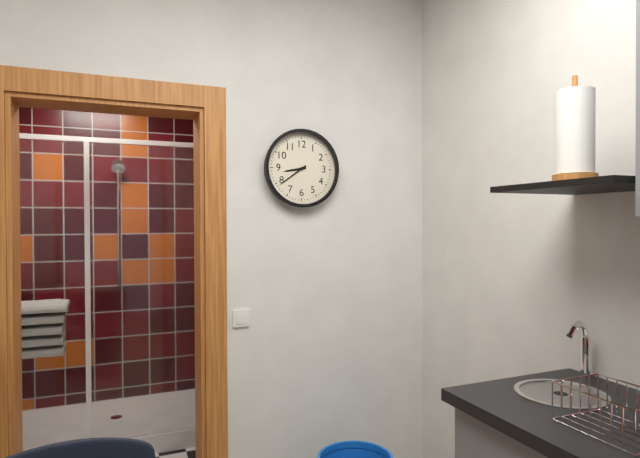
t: 8:39
